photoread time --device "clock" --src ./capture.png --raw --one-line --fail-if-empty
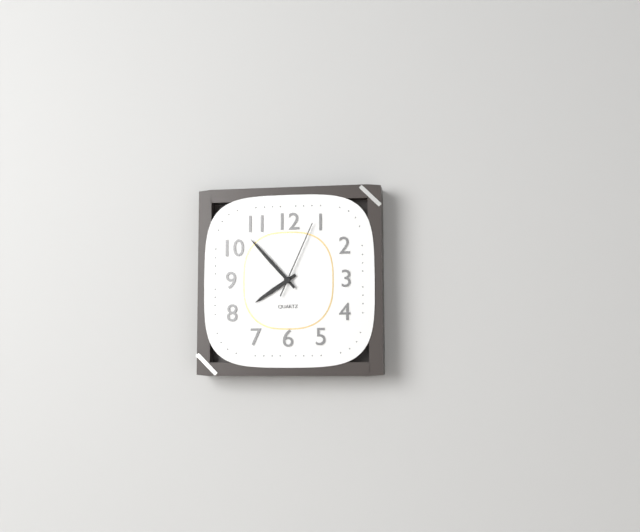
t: 7:53:04
